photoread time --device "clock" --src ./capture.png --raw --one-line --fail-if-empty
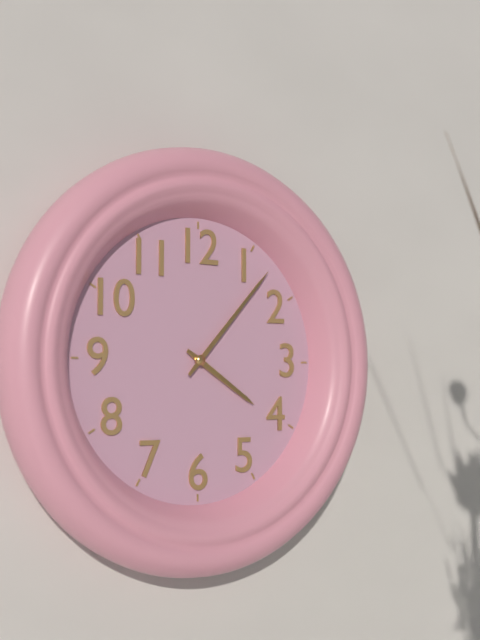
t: 4:07
